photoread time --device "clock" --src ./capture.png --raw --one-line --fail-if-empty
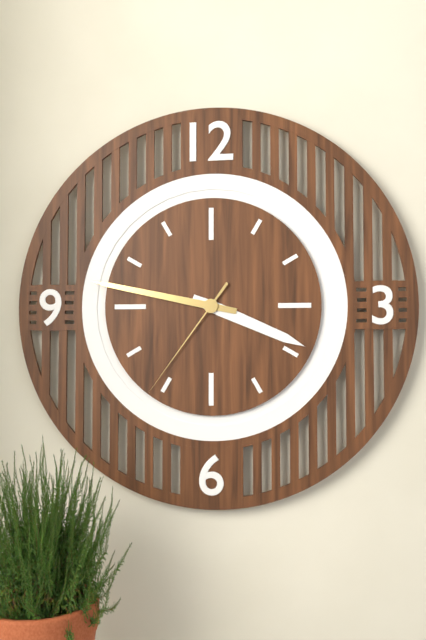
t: 3:47:36
